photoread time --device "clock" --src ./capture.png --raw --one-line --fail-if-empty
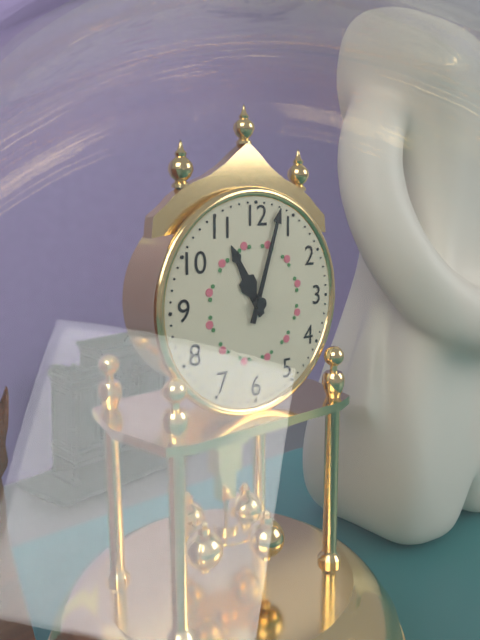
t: 11:03
